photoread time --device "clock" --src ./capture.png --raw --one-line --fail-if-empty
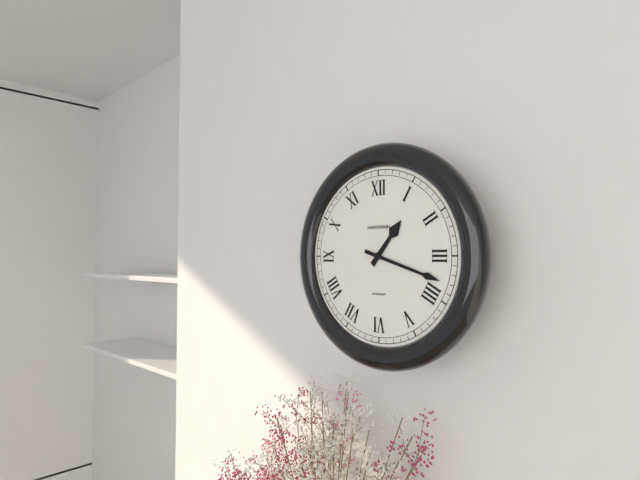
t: 1:18
